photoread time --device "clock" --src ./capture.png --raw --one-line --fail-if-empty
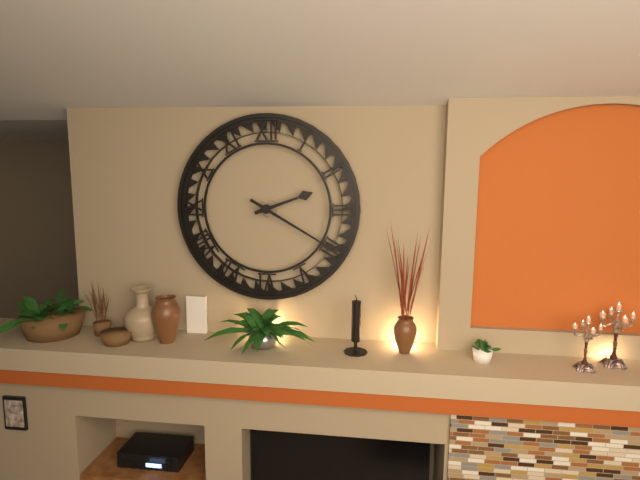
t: 2:20
